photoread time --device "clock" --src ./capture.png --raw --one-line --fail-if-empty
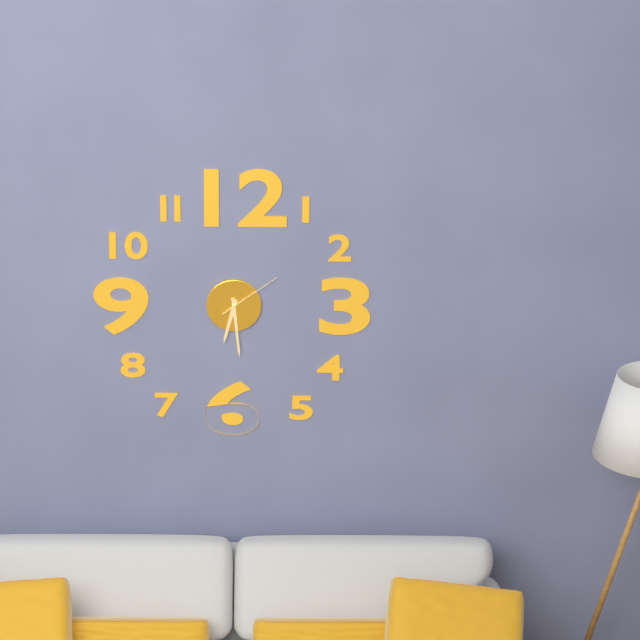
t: 6:29:09
